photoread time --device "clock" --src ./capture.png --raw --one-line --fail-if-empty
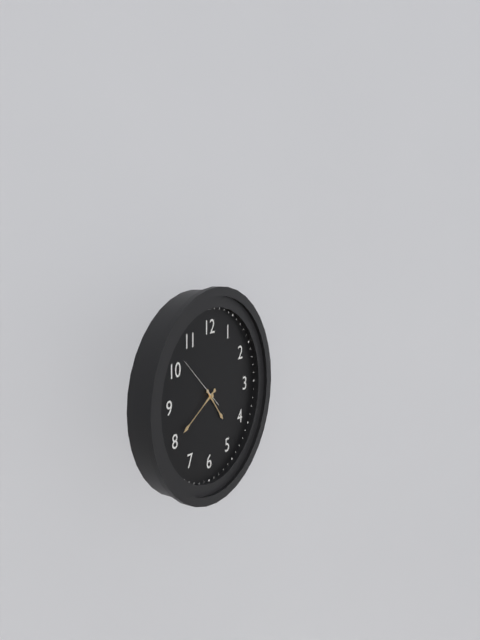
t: 4:40:52
